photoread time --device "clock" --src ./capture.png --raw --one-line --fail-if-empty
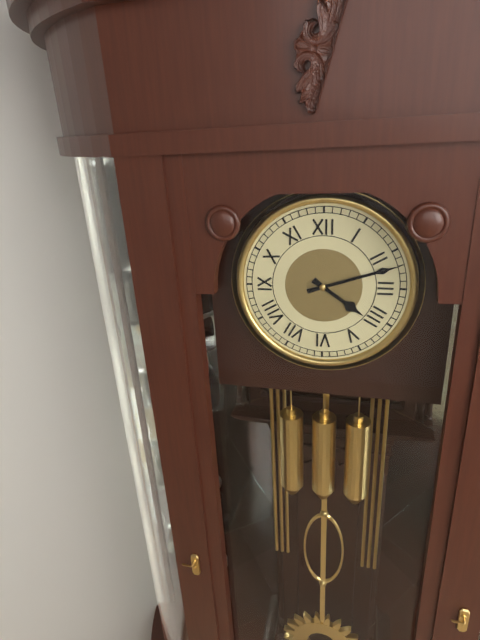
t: 4:12
